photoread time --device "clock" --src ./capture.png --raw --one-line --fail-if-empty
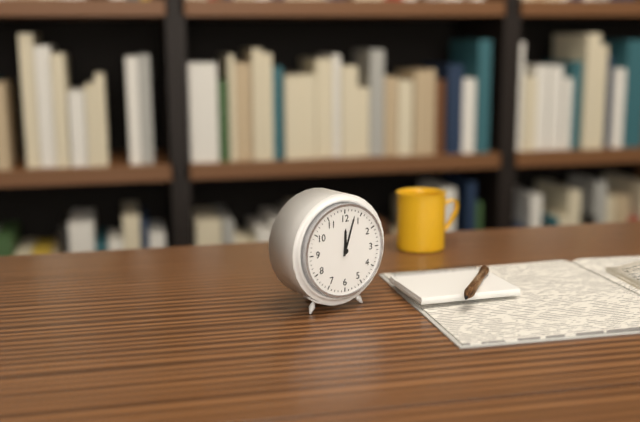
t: 12:03
